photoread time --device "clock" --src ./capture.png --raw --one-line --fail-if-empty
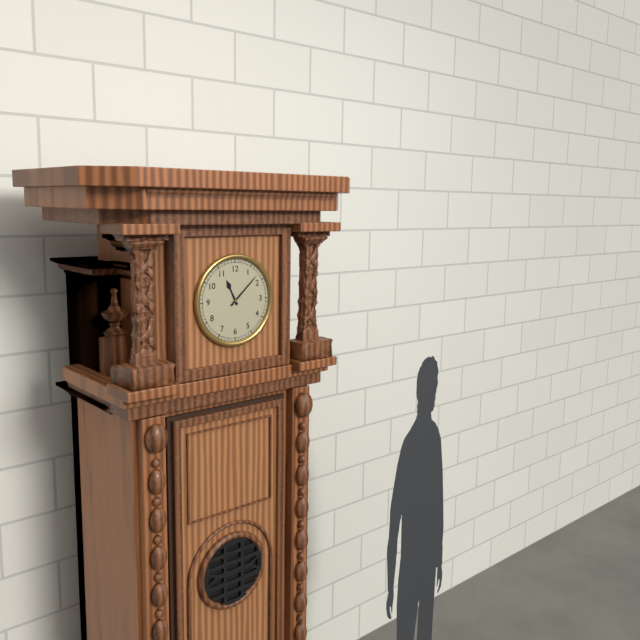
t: 11:08
